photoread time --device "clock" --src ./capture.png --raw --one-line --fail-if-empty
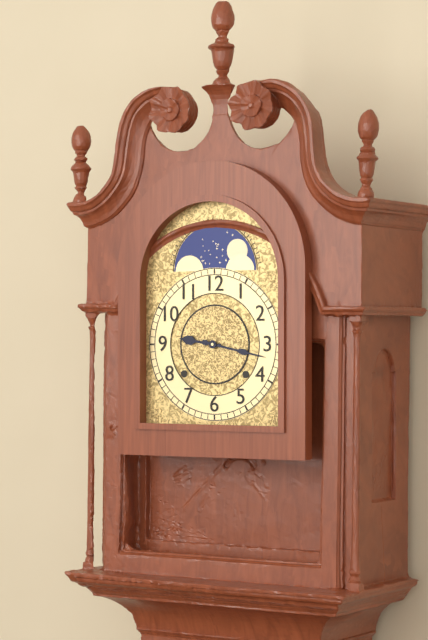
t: 9:17
